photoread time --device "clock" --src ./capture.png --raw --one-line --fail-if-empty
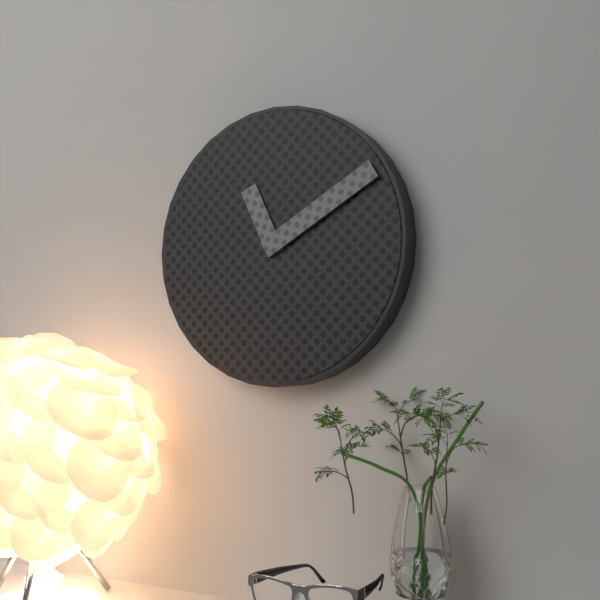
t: 11:10
